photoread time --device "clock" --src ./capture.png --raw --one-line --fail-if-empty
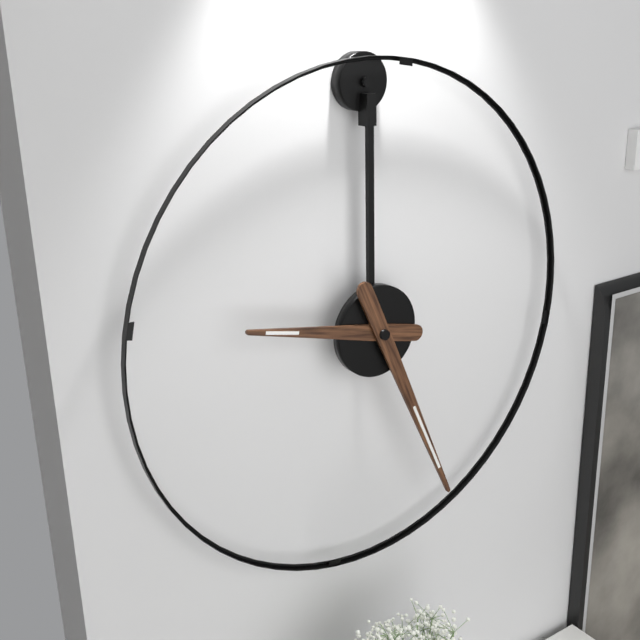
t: 9:26
